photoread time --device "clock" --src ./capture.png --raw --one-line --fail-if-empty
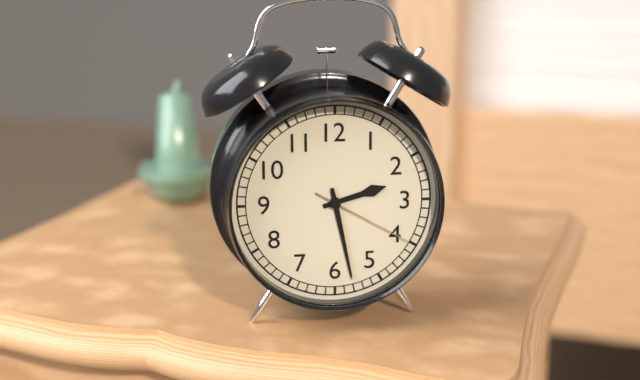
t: 2:28:20
